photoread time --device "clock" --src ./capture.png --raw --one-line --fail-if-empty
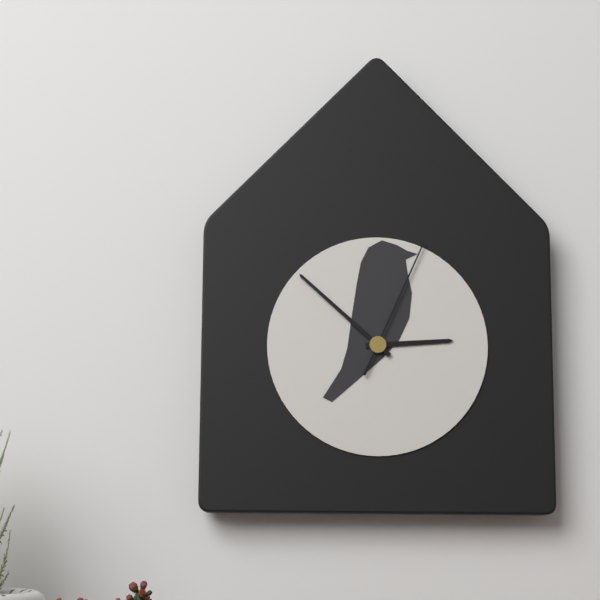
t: 2:52:04
